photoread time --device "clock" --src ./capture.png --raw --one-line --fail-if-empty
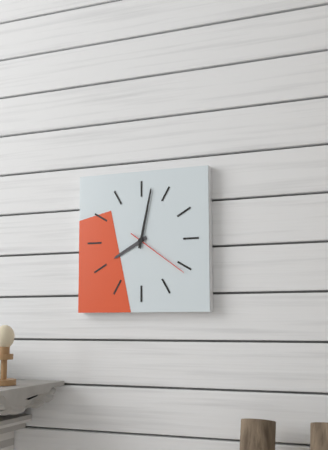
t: 8:02:21
